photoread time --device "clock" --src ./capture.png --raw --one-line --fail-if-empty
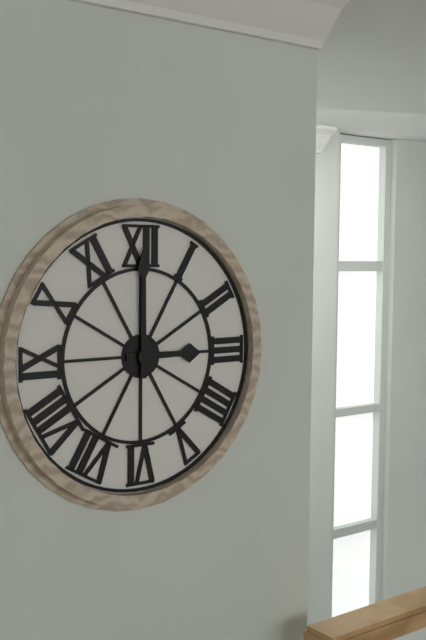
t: 3:00
